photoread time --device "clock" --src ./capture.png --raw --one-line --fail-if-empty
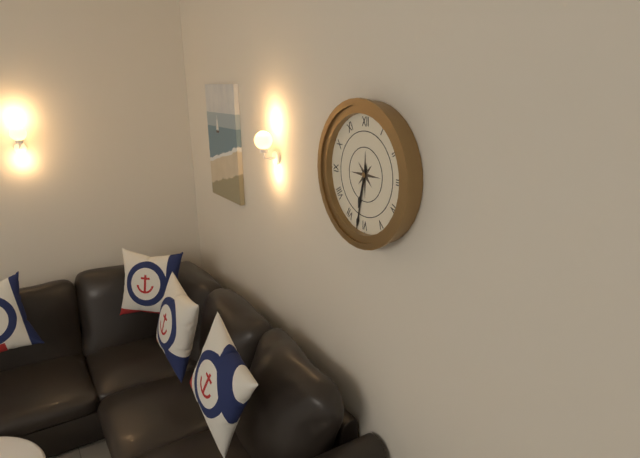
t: 6:32
